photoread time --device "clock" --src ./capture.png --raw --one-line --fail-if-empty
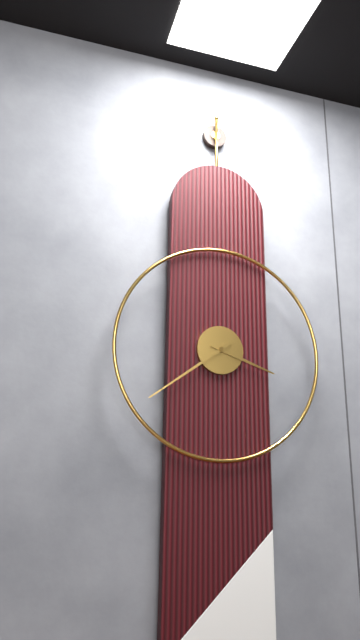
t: 3:39
